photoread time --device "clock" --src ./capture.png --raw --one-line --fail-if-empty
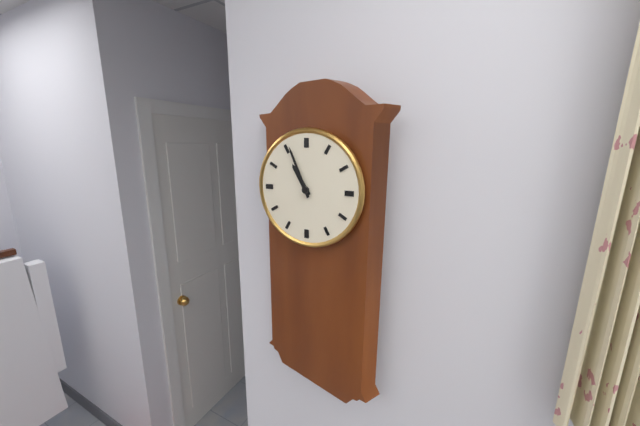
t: 10:56
